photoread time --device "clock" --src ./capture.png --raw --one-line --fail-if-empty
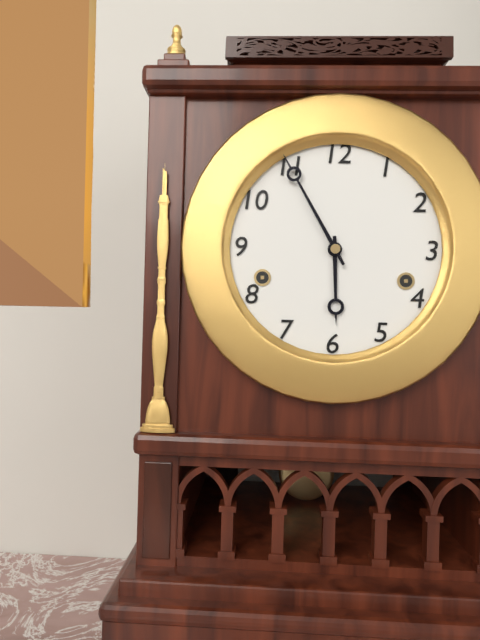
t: 5:55
